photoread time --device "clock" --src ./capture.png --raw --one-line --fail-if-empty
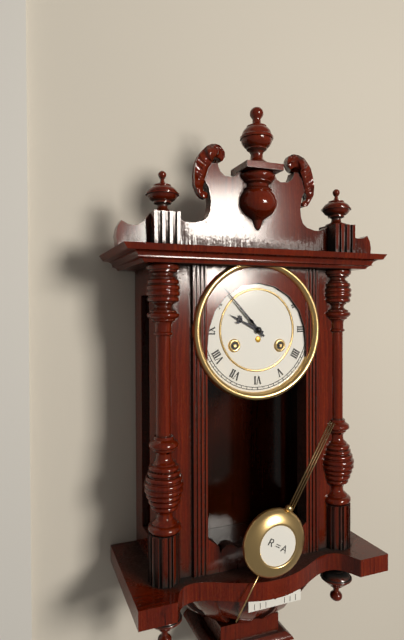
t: 9:53
